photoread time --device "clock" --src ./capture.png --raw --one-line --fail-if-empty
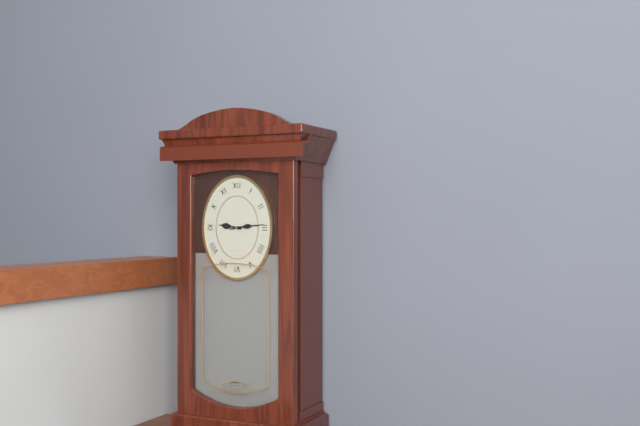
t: 9:14
